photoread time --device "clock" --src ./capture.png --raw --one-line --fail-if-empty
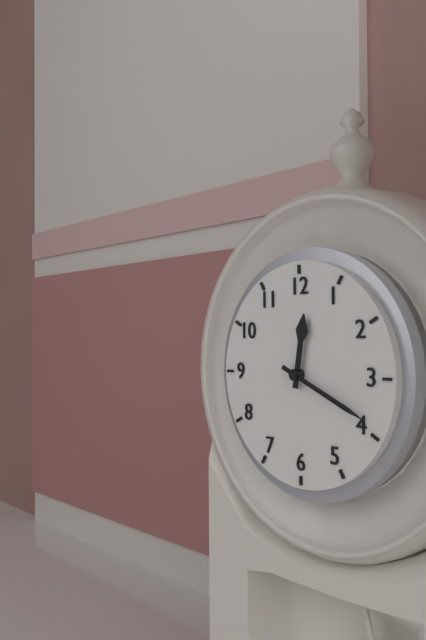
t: 12:19
